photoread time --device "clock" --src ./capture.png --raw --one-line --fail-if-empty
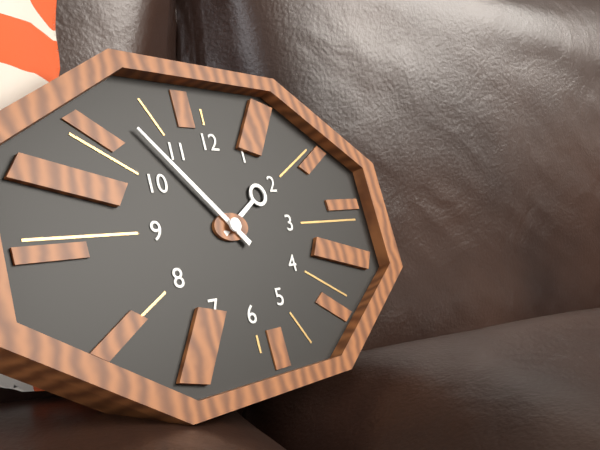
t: 1:53
